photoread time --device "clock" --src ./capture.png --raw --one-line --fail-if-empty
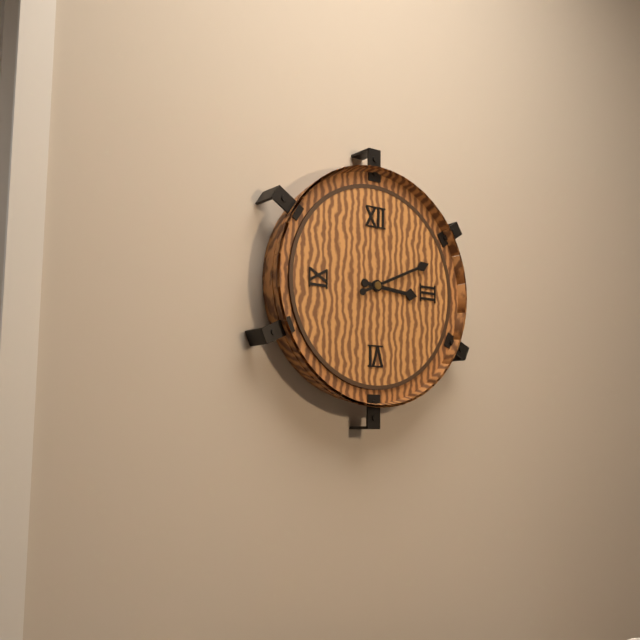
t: 3:11
